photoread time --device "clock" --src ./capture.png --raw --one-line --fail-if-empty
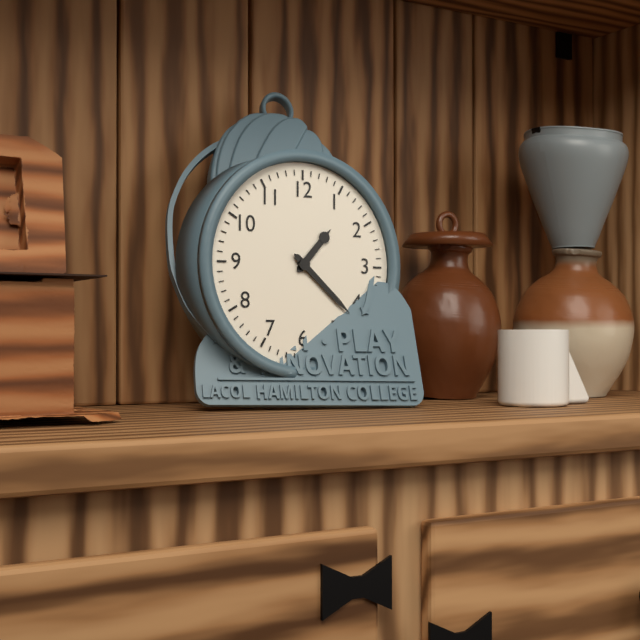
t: 1:22
